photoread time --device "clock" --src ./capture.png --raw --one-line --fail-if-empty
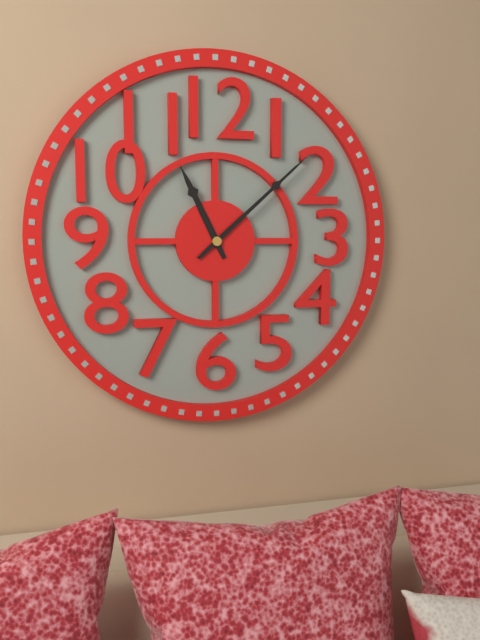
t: 11:08
